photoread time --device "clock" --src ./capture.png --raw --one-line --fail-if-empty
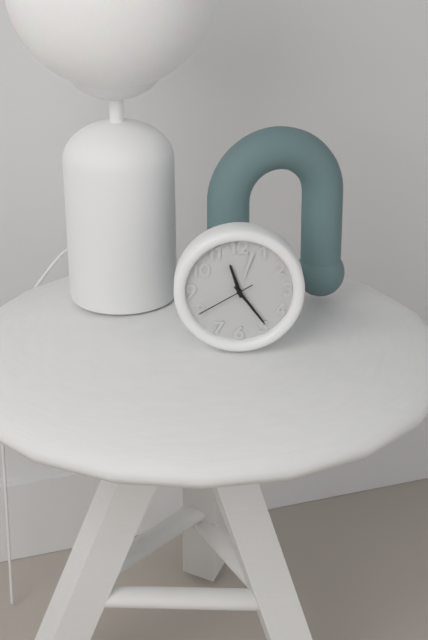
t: 11:24:40
